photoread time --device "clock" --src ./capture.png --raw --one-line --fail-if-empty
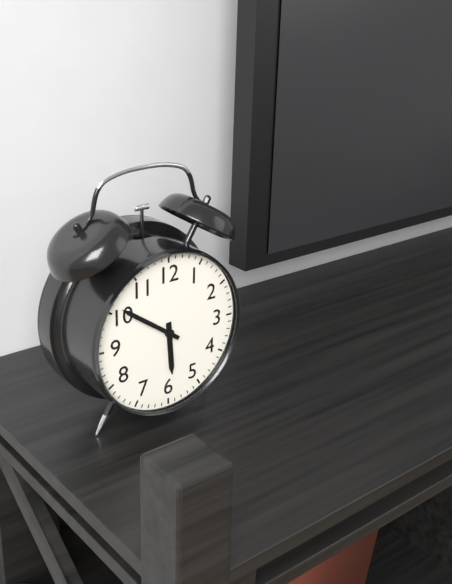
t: 5:51
